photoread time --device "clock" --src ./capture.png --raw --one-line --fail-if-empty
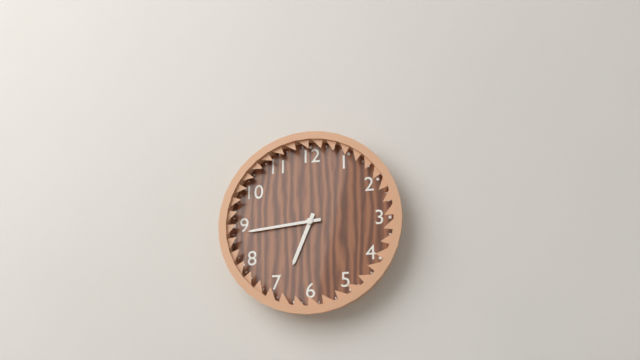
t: 6:44
